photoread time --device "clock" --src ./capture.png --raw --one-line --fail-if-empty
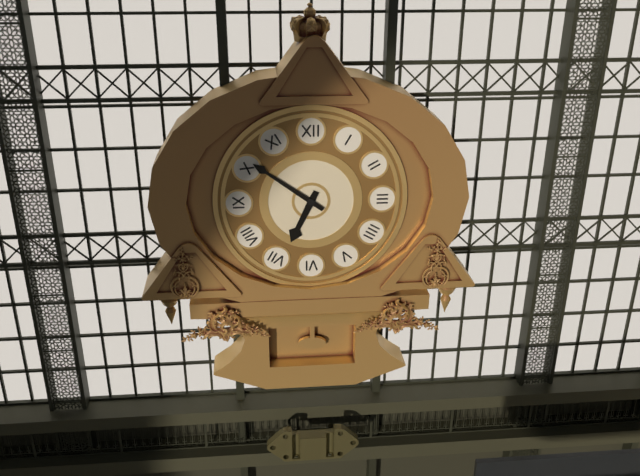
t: 6:51
